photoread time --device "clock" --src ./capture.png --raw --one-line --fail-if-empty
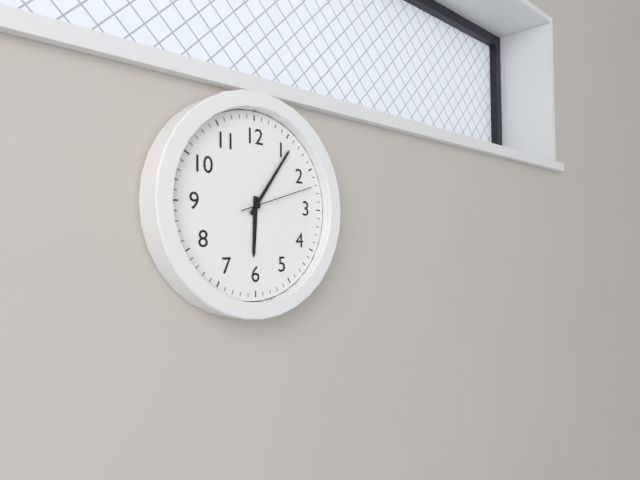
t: 6:06:12
